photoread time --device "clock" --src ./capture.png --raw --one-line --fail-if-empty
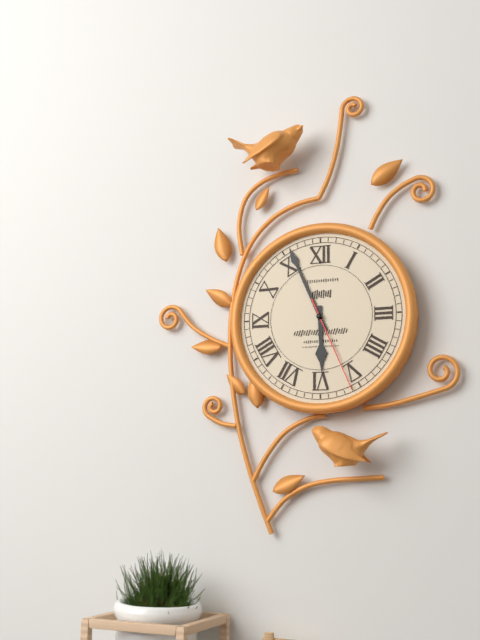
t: 5:56:26
